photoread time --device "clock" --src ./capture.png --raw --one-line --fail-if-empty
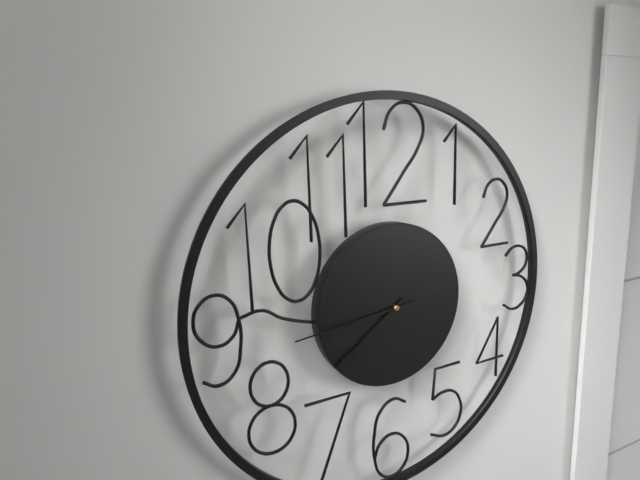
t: 8:39:44
